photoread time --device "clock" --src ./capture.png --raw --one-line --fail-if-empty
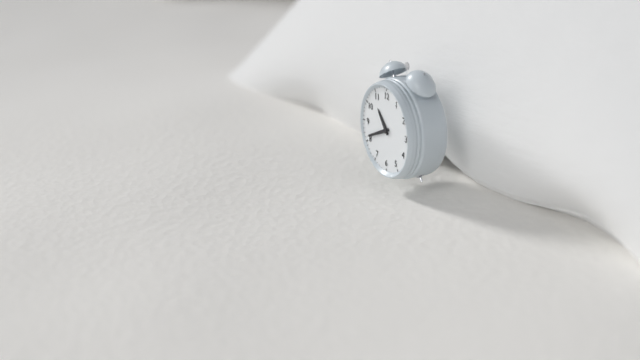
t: 10:41
